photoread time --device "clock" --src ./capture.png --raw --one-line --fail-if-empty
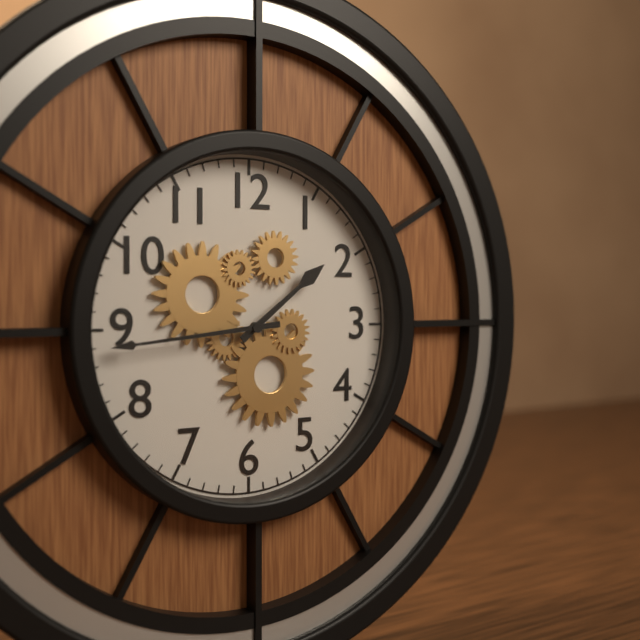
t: 1:44
